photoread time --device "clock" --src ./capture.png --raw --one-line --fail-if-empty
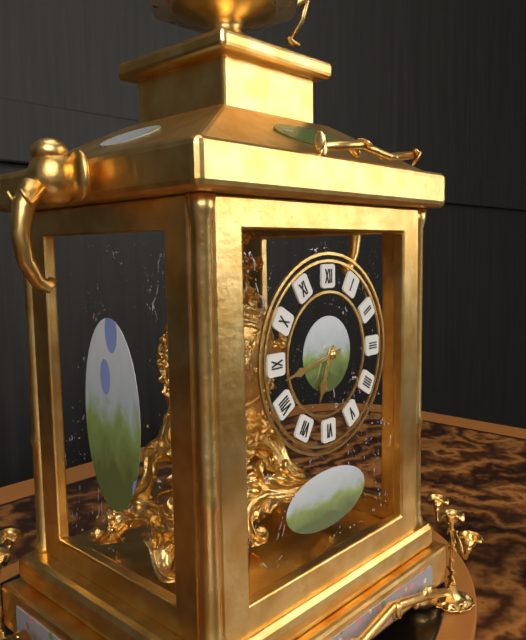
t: 6:43
